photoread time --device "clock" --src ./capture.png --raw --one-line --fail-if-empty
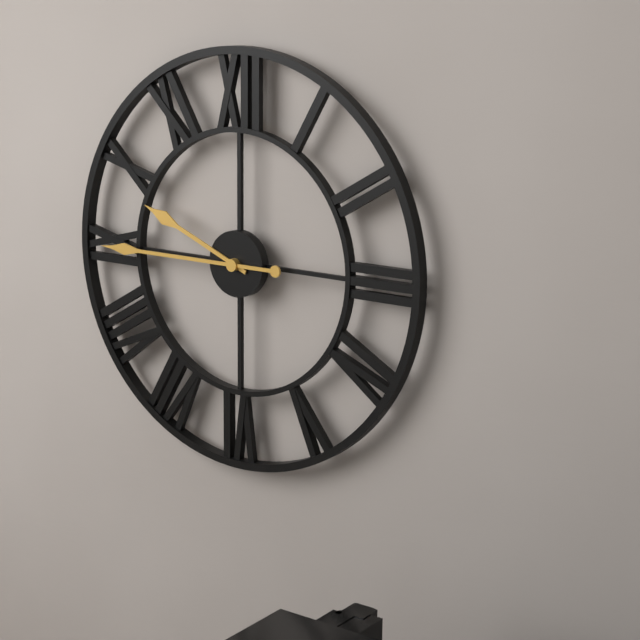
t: 9:45
